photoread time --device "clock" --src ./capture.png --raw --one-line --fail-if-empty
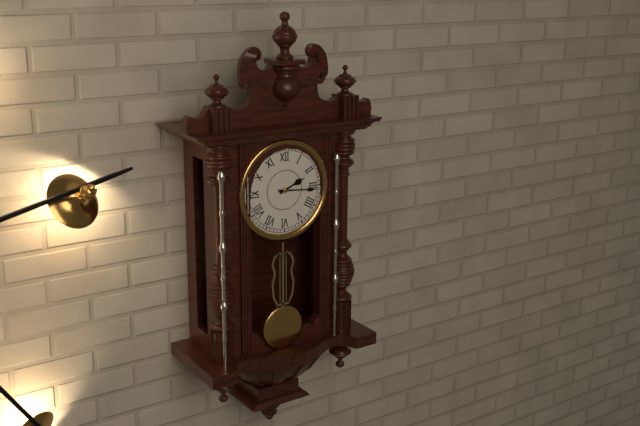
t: 2:16
